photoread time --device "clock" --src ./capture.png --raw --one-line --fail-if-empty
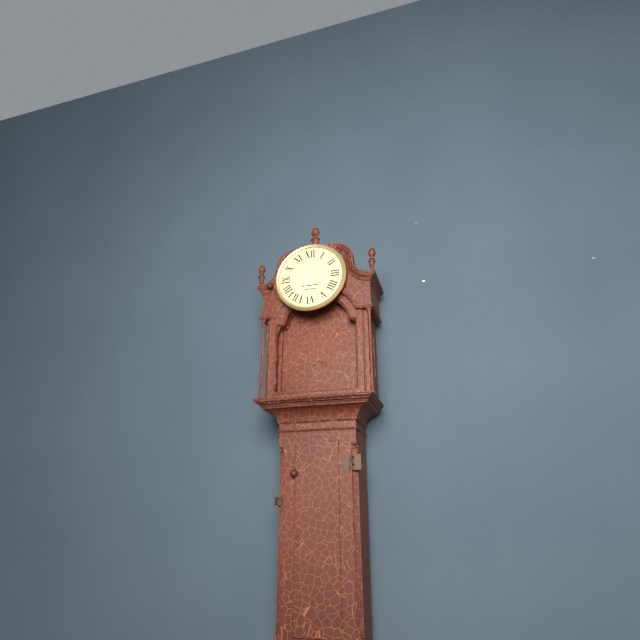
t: 3:34
